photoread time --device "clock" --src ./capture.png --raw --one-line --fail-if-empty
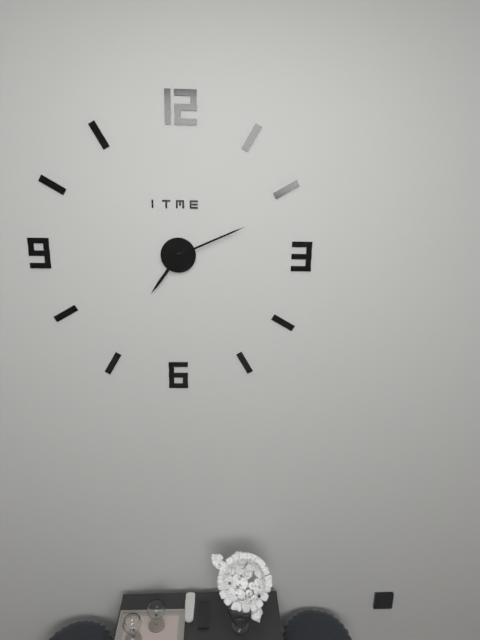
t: 7:11
